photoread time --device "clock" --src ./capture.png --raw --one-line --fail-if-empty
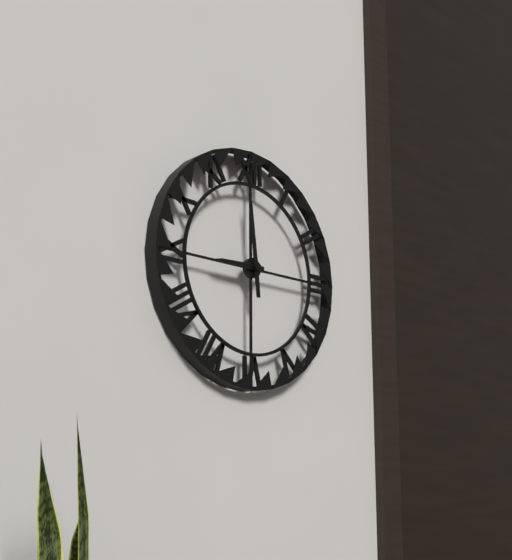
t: 8:59
